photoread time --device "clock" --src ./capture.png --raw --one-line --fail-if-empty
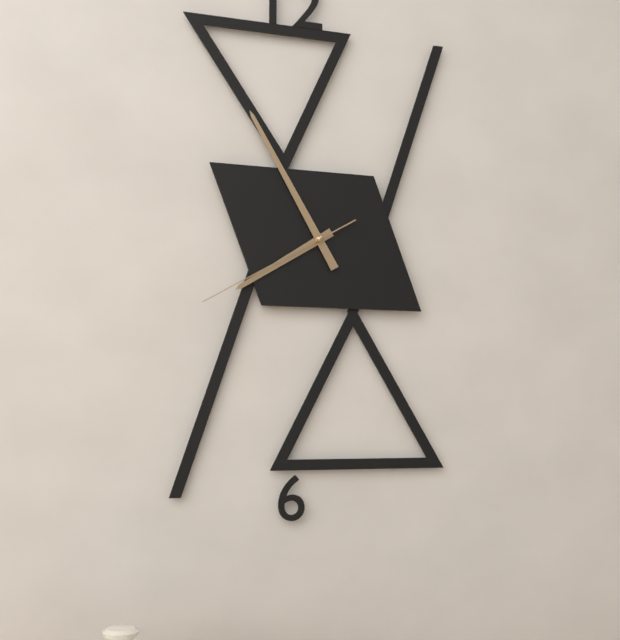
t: 7:55:40
